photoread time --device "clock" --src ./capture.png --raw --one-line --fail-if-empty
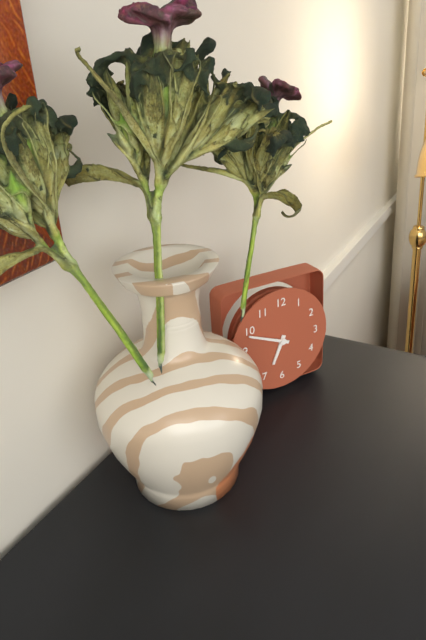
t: 6:49
